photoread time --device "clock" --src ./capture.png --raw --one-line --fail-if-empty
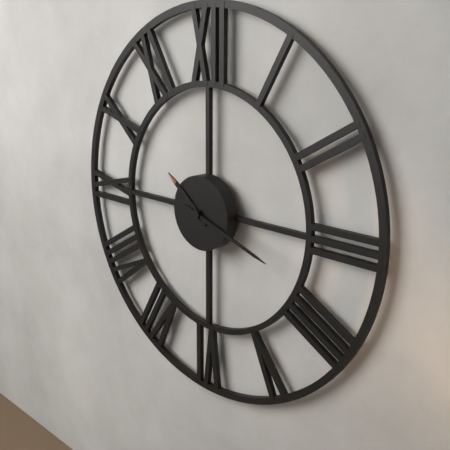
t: 10:18
